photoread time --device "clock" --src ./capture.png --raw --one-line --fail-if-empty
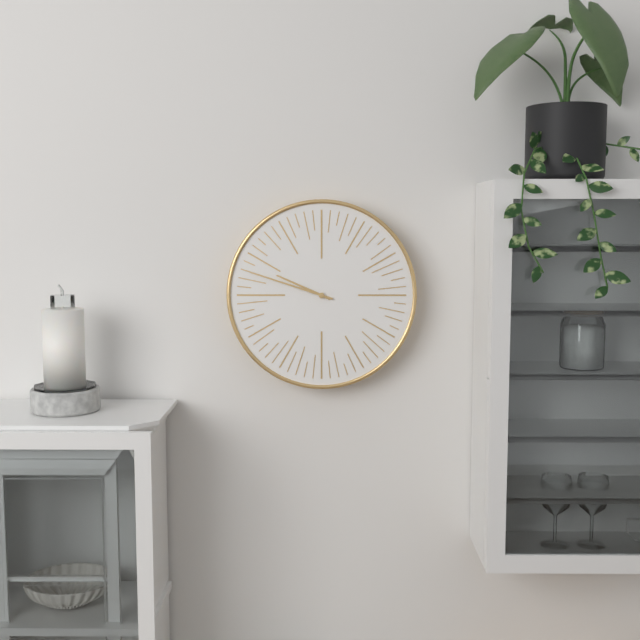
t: 9:48
